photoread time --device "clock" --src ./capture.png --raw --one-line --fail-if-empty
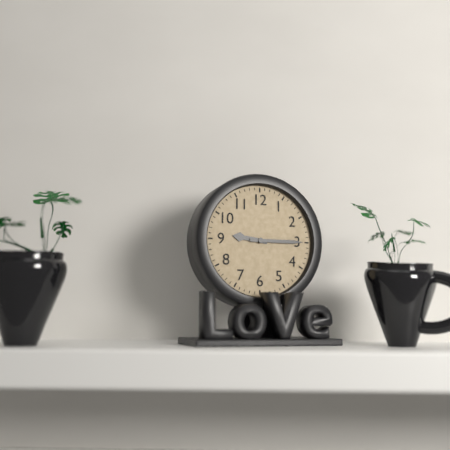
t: 9:15
